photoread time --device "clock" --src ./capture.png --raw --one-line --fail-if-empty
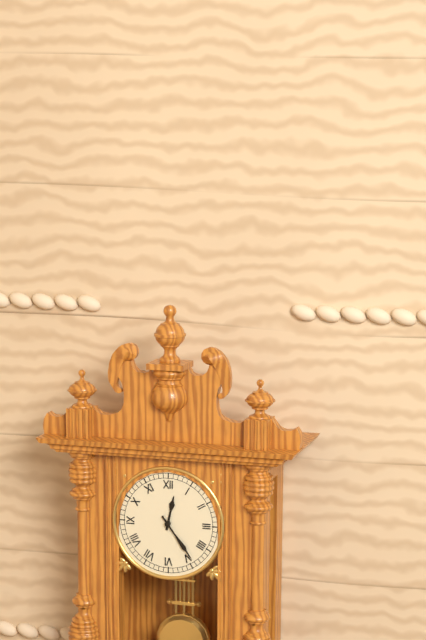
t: 12:24
